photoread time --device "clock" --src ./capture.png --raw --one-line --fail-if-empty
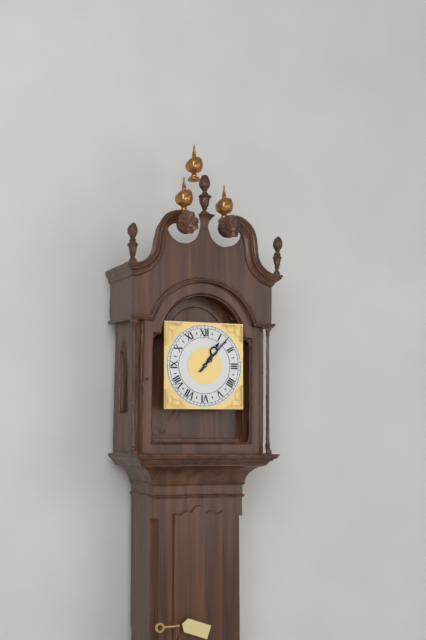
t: 1:07
